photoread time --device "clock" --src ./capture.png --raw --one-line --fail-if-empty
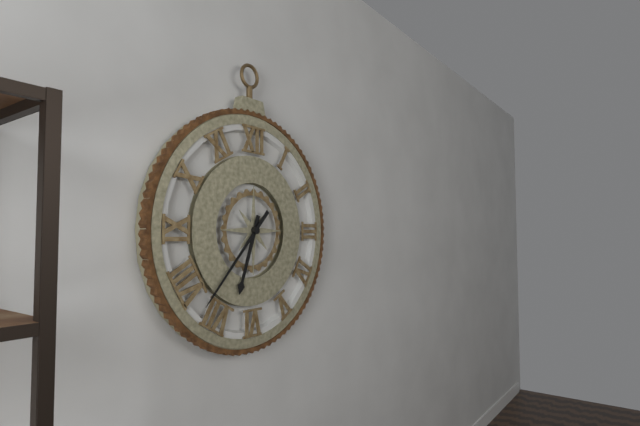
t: 6:37
